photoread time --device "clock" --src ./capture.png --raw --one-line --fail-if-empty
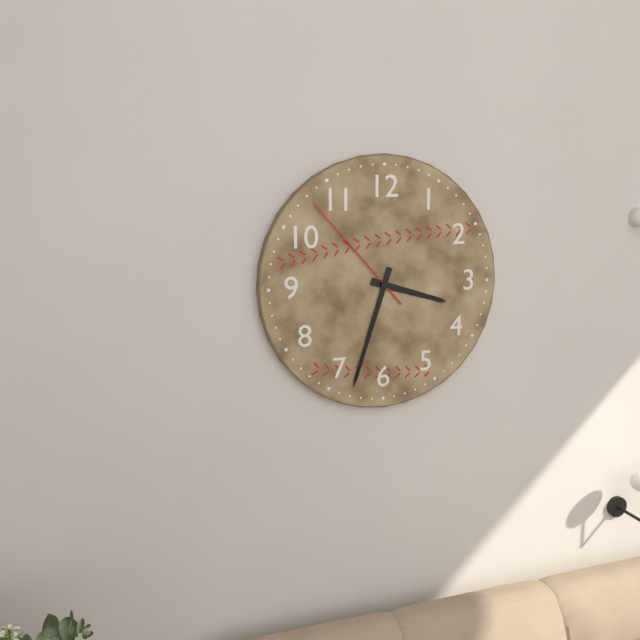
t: 3:33:53
